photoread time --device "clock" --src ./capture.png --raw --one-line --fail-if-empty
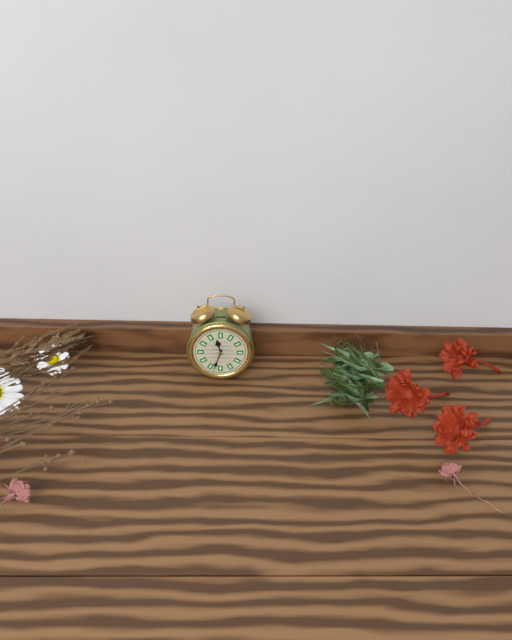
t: 11:33
